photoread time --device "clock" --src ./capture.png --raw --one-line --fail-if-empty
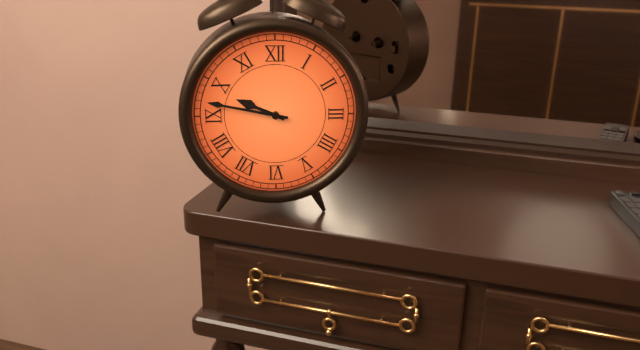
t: 9:47
